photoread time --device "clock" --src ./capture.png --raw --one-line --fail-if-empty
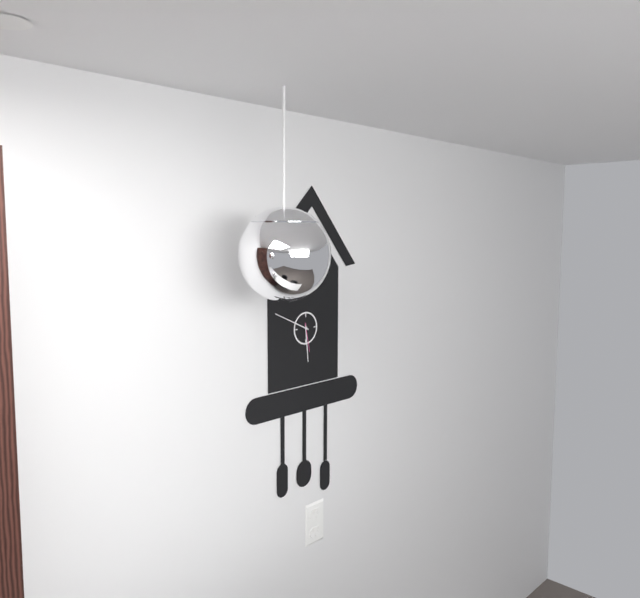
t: 5:49
